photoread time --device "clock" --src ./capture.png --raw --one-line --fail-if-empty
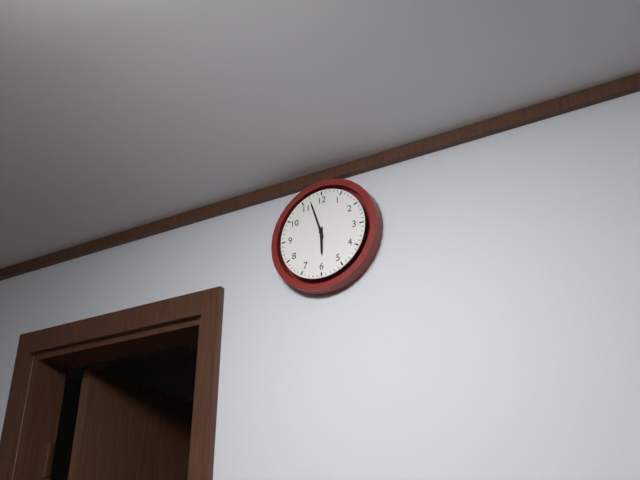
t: 5:57
